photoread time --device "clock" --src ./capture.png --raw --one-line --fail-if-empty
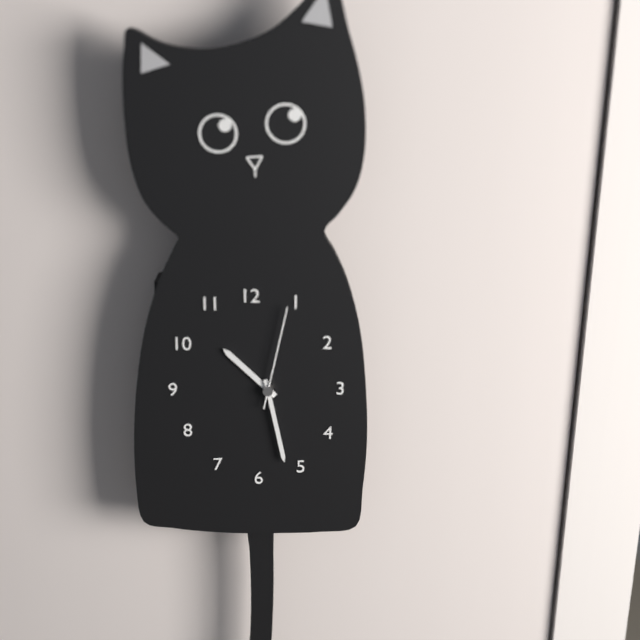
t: 10:28:02
